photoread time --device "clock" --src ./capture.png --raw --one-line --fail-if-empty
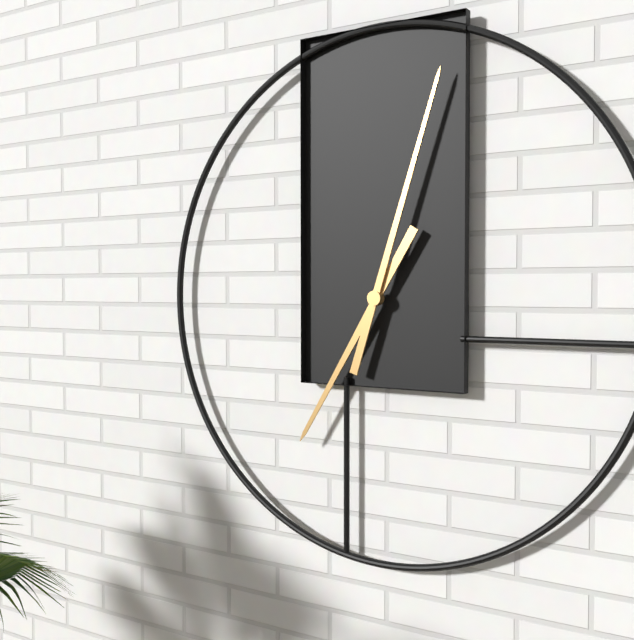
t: 7:03
